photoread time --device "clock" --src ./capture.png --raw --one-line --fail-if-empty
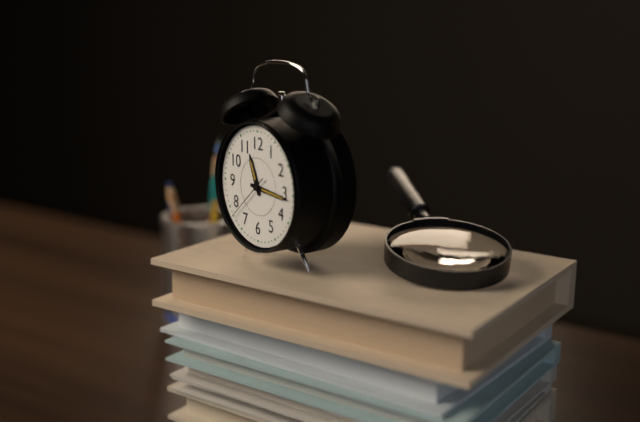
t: 11:16:38
